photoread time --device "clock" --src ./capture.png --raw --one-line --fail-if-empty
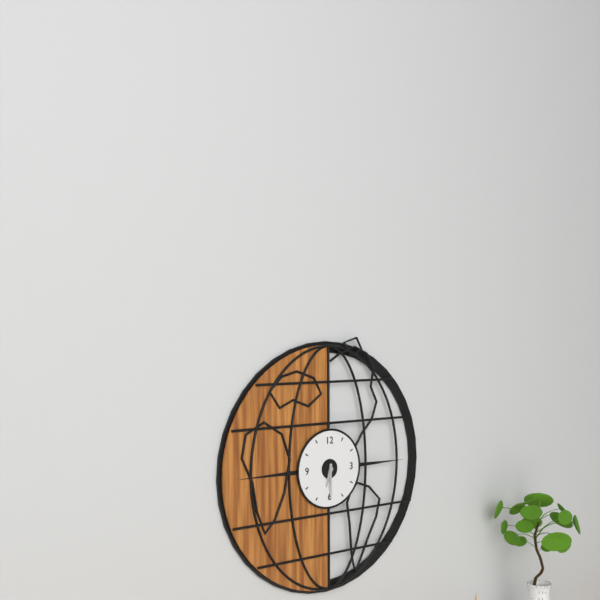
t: 6:30
